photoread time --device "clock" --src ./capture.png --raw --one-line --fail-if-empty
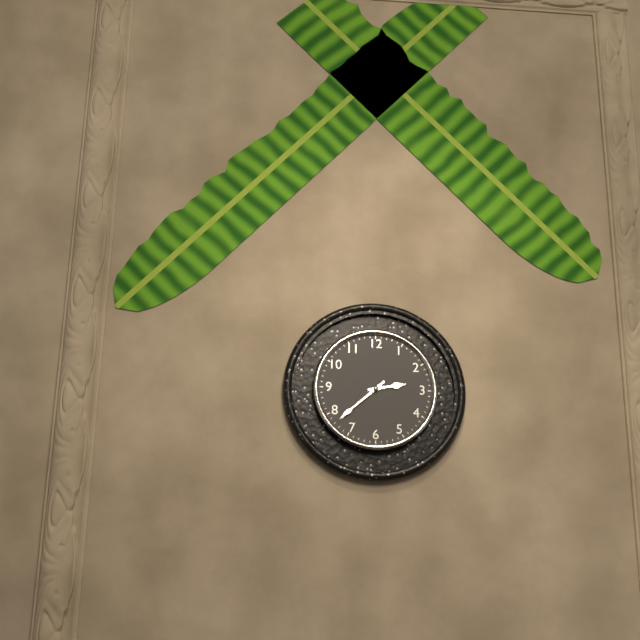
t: 2:38
